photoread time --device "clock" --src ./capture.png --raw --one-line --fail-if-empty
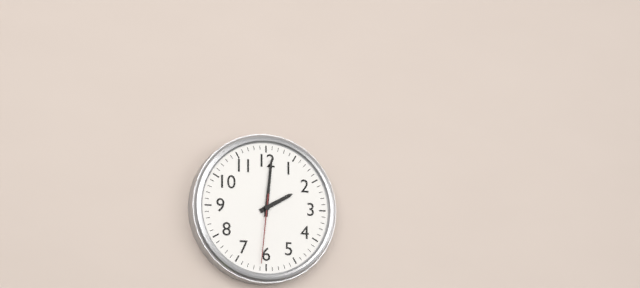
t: 2:01:31
